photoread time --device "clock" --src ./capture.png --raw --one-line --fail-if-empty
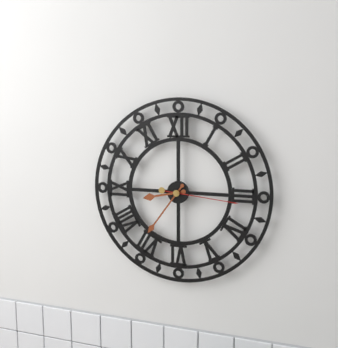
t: 8:36:16
